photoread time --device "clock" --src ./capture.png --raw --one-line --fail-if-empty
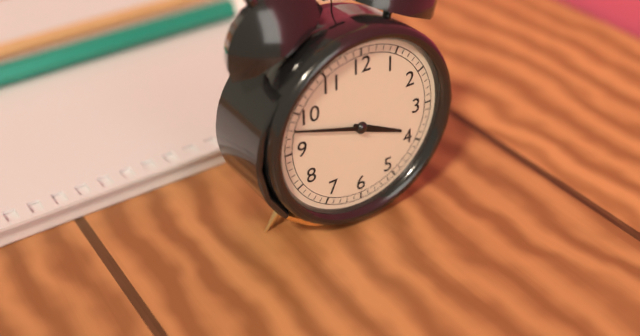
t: 3:48
